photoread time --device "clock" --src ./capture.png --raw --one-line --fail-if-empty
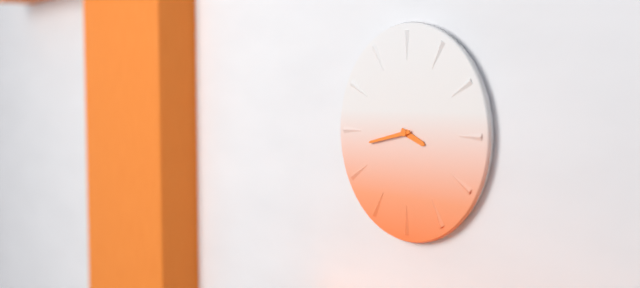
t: 3:43
